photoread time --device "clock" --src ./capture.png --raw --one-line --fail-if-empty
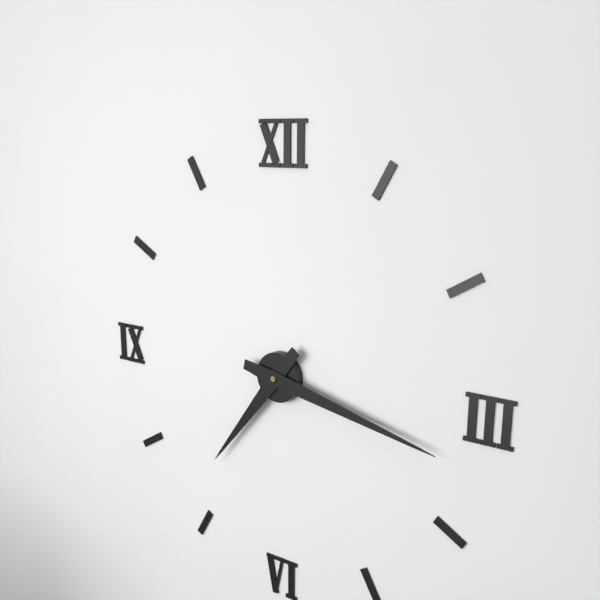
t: 7:17
